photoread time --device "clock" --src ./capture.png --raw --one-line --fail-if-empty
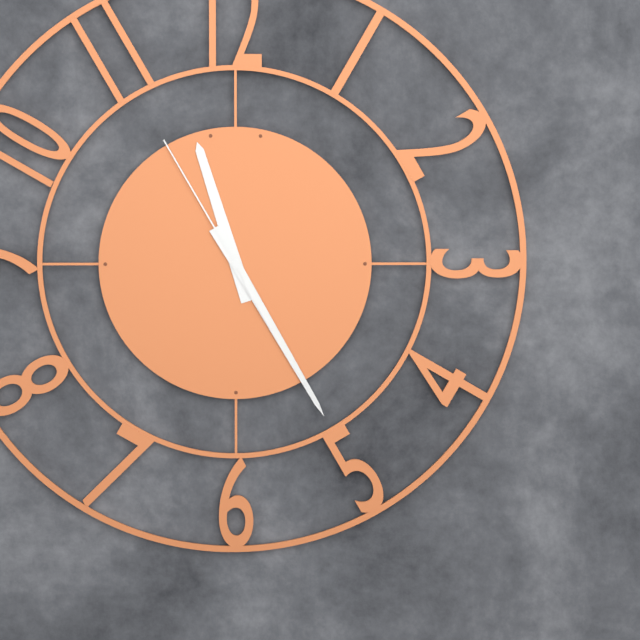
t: 11:25:55
